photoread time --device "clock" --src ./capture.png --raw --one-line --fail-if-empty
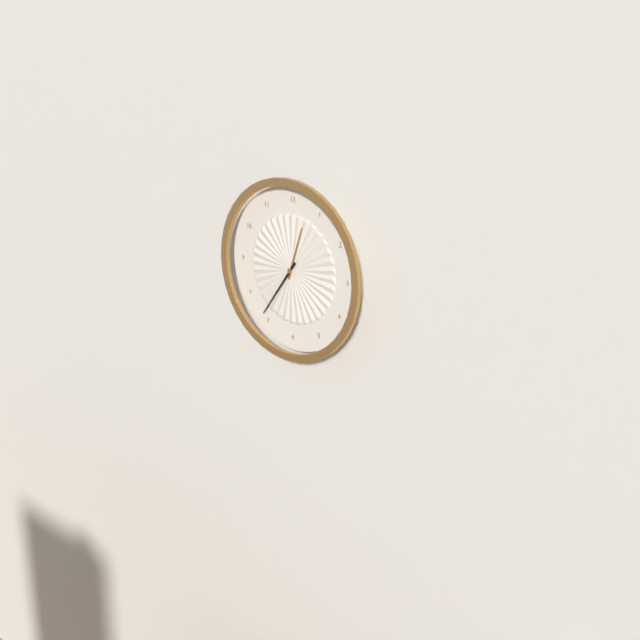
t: 12:36
